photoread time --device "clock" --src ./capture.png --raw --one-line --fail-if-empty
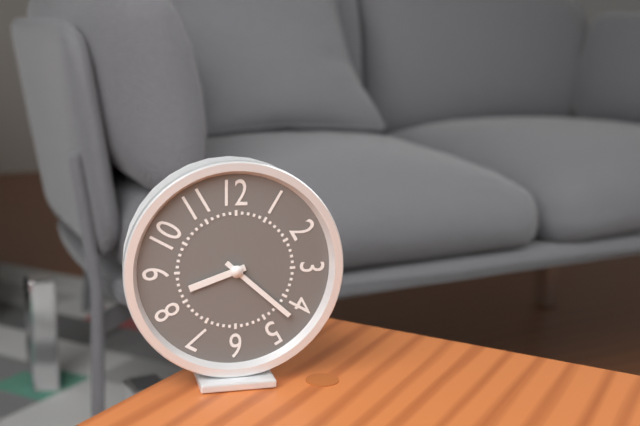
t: 8:22
